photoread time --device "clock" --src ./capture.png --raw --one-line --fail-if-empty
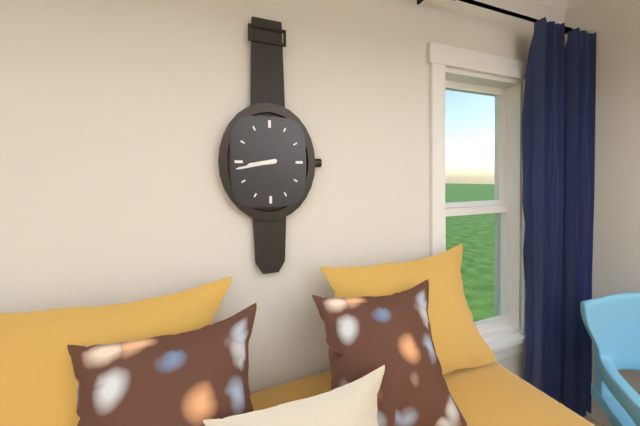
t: 8:43
